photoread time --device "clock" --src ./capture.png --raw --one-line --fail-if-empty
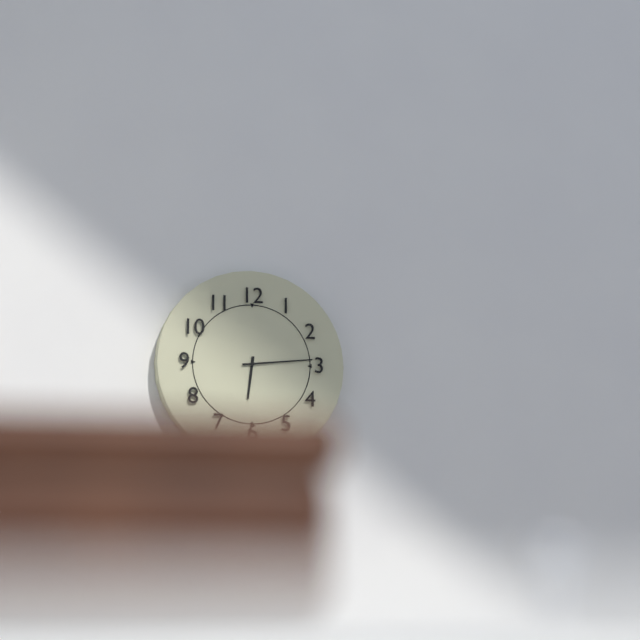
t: 6:14
